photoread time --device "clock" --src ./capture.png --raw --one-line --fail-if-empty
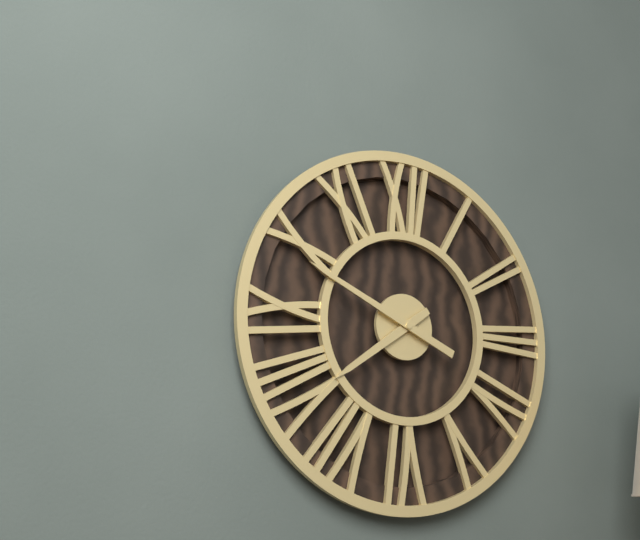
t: 7:49
